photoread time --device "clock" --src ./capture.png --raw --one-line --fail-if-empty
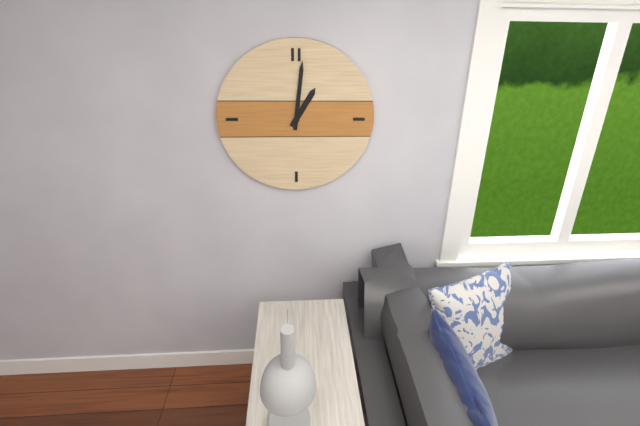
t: 1:01
